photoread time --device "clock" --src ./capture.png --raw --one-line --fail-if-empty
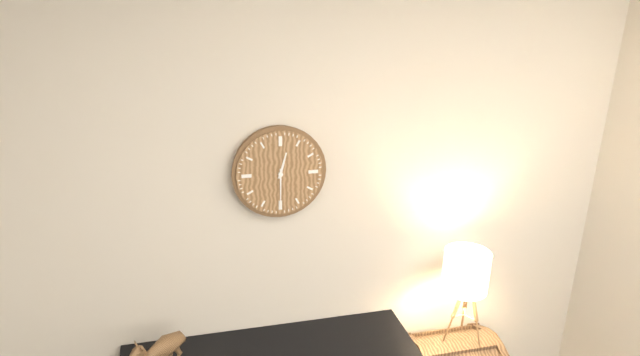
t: 12:30
